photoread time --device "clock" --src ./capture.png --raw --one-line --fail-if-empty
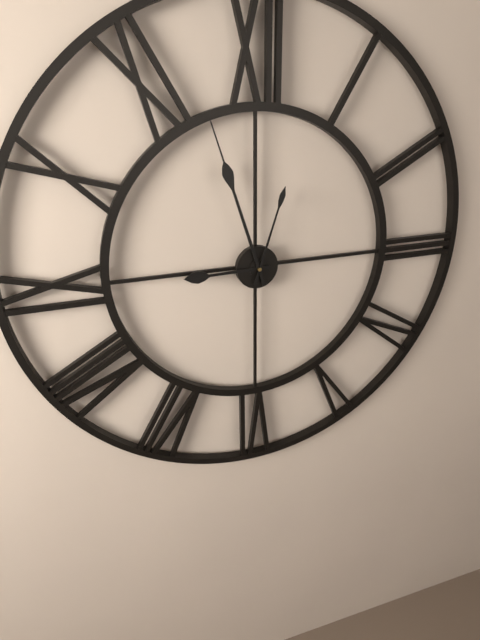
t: 8:57:03
